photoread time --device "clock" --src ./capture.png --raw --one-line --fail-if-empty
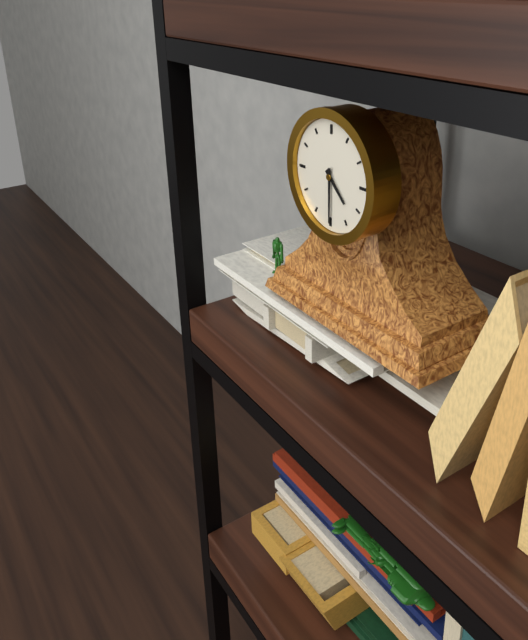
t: 4:30
